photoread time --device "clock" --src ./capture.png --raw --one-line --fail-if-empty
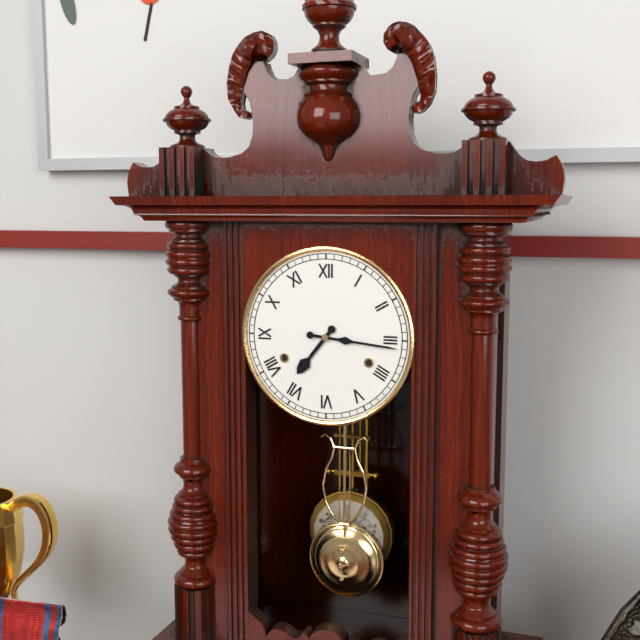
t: 7:16
